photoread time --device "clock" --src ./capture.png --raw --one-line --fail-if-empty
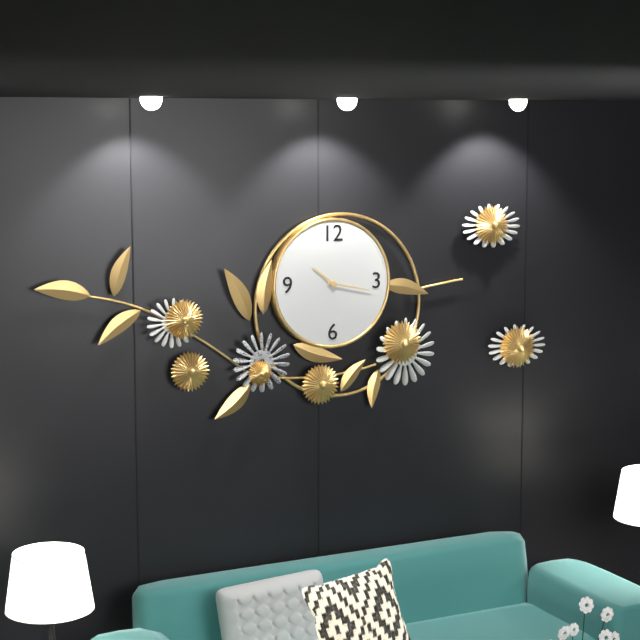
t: 10:17
